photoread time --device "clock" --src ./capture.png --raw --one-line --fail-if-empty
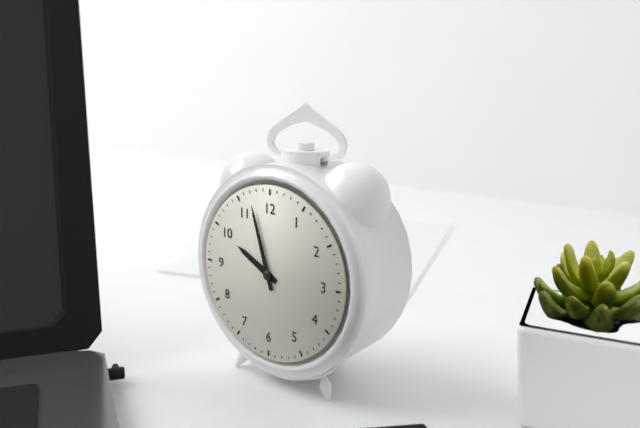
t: 9:57
